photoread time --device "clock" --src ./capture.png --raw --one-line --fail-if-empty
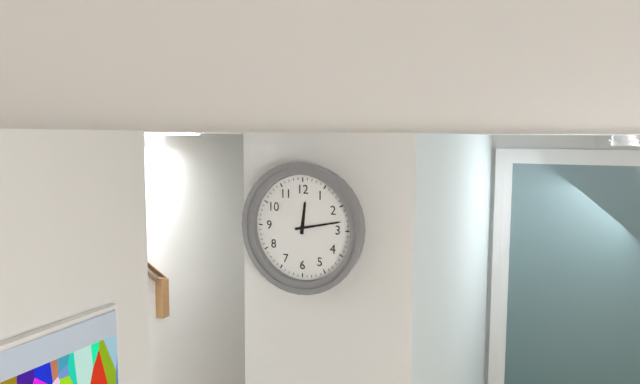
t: 12:13
